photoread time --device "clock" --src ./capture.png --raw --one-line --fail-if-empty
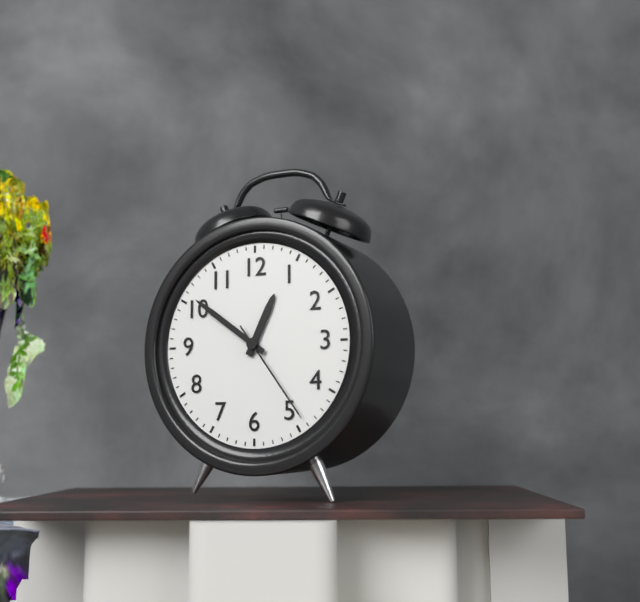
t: 12:51:24
